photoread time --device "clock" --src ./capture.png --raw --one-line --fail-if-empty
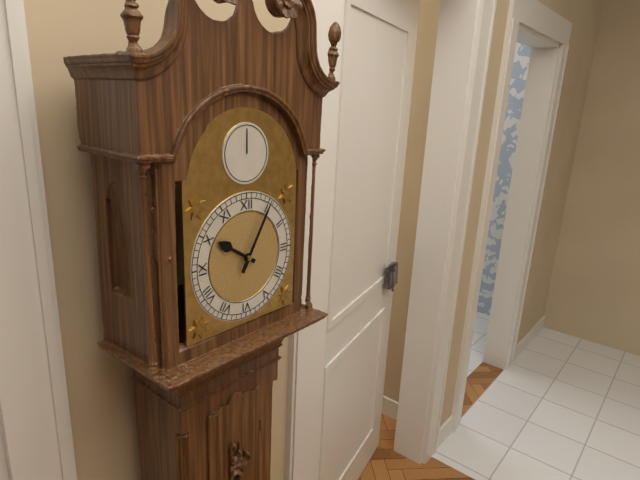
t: 10:05
